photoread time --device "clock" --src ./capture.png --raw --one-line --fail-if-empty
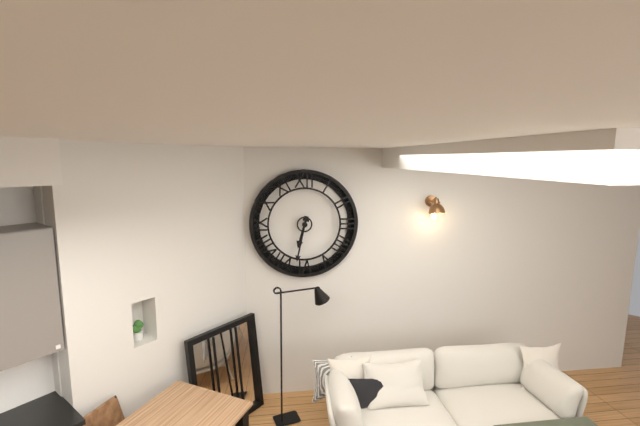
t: 6:32
